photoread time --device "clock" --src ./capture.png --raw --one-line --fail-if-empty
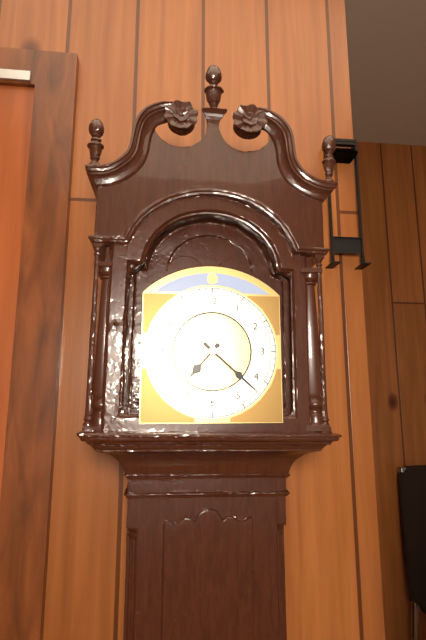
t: 7:22
